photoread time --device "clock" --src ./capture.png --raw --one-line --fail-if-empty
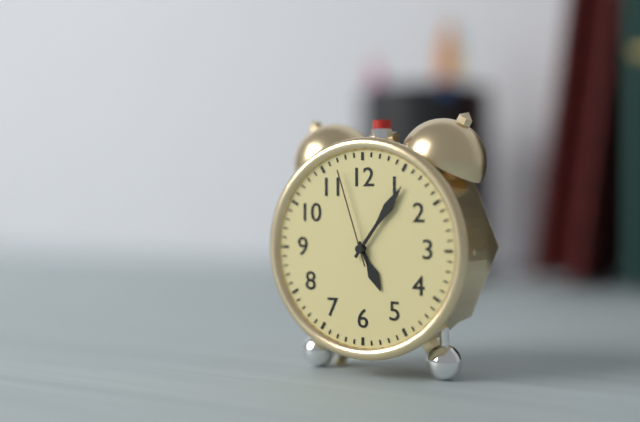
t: 5:06:57
